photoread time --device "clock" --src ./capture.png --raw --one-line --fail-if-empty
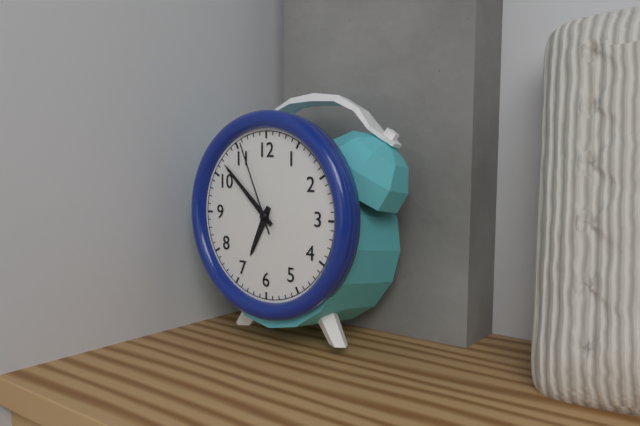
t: 6:52:56
